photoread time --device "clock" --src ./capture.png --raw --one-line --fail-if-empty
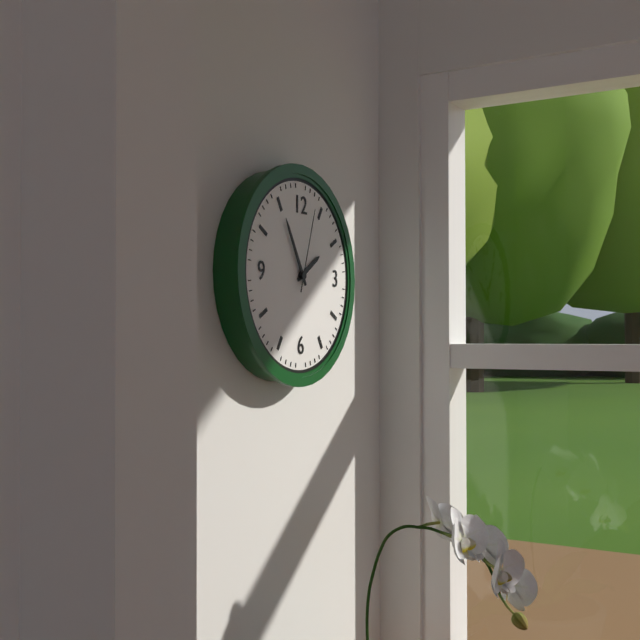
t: 1:55:03
